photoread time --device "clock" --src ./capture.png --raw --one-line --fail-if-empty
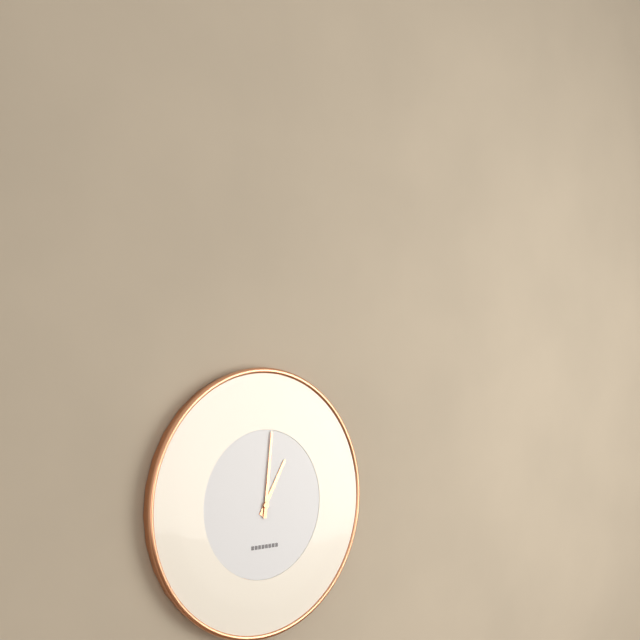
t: 1:01
